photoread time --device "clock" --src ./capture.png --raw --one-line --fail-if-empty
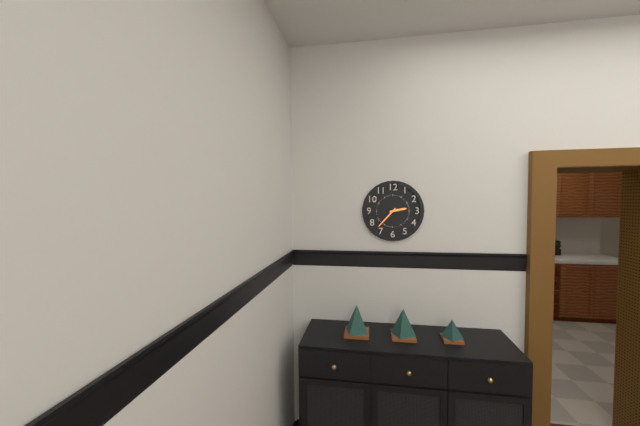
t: 2:37
